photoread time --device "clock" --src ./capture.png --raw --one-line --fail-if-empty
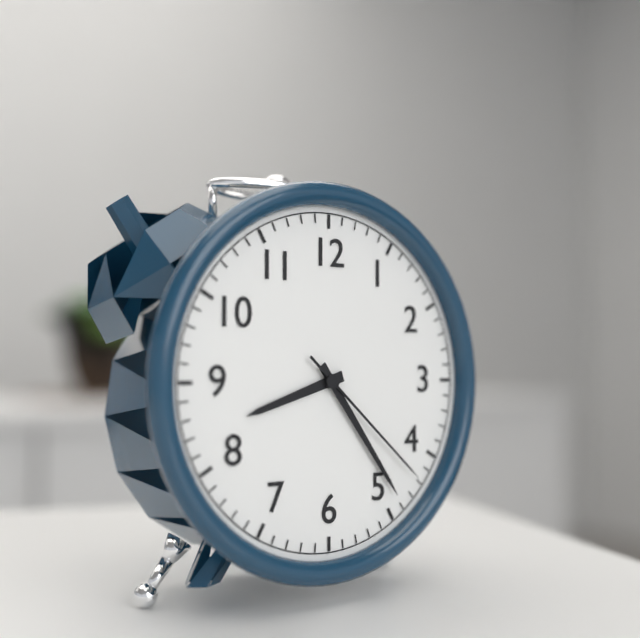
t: 8:24:22
